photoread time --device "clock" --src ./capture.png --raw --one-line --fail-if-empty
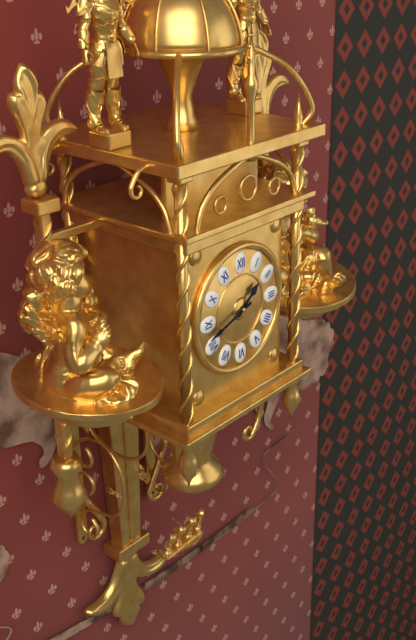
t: 1:42
